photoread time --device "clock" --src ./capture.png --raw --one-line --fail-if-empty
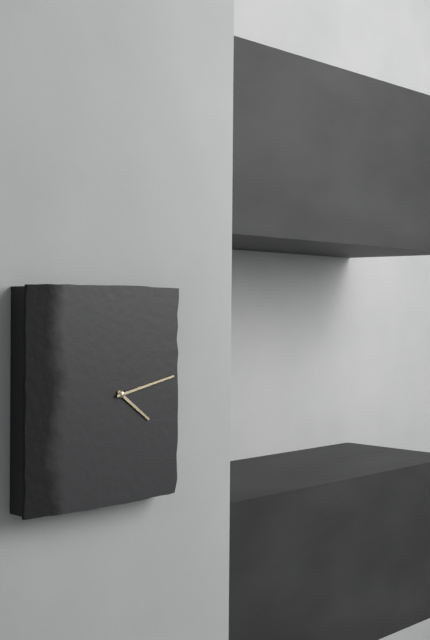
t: 4:13
